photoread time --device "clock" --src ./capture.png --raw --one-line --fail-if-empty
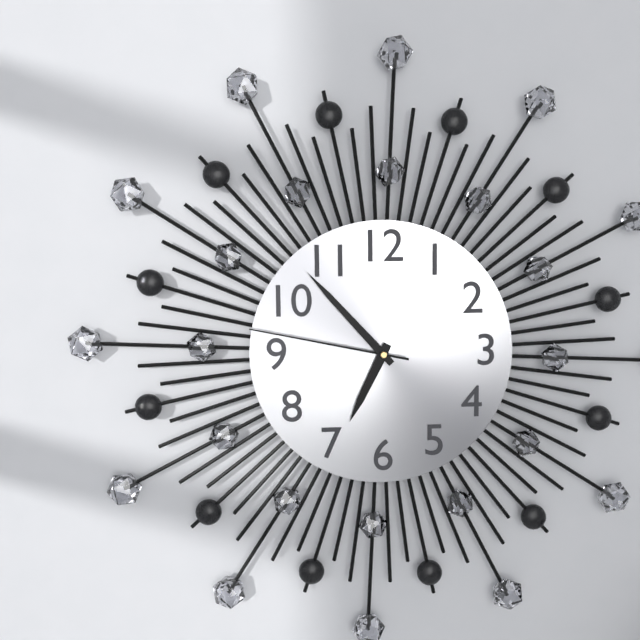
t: 6:53:47
